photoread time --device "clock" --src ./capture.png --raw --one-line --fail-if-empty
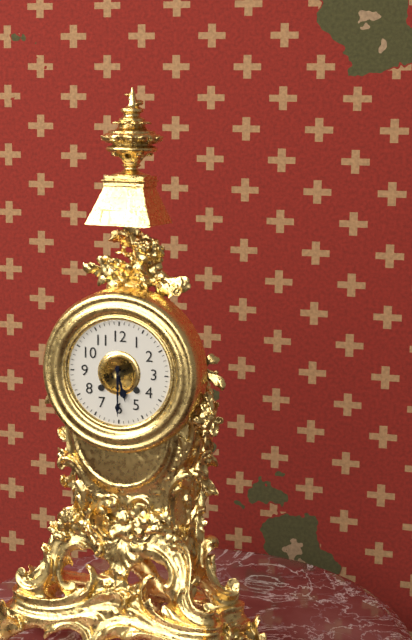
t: 5:30
